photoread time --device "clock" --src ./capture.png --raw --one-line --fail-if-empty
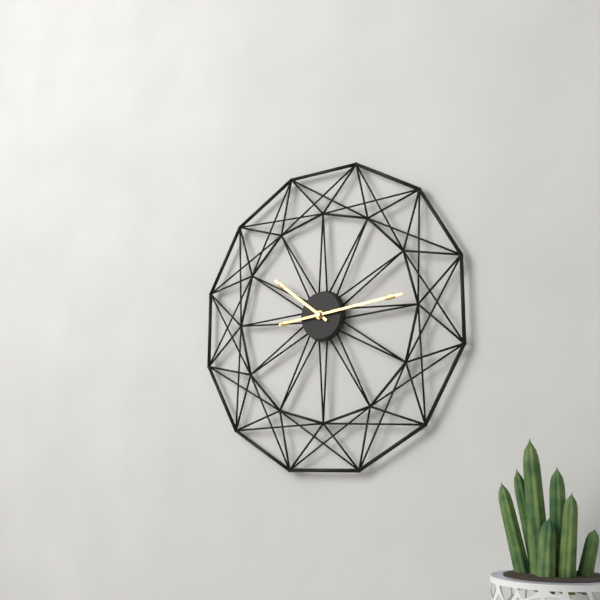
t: 10:14
